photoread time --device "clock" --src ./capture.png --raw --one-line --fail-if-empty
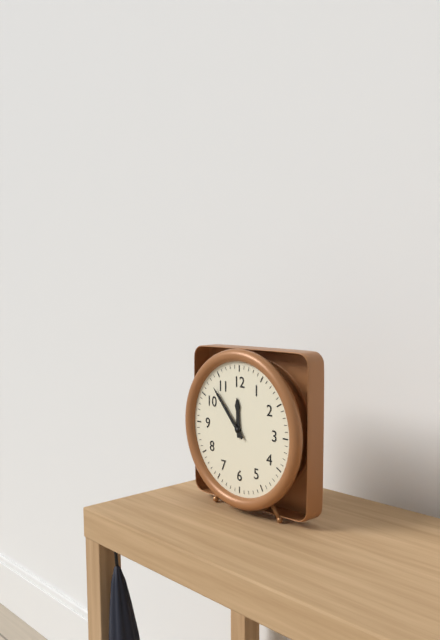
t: 11:53
